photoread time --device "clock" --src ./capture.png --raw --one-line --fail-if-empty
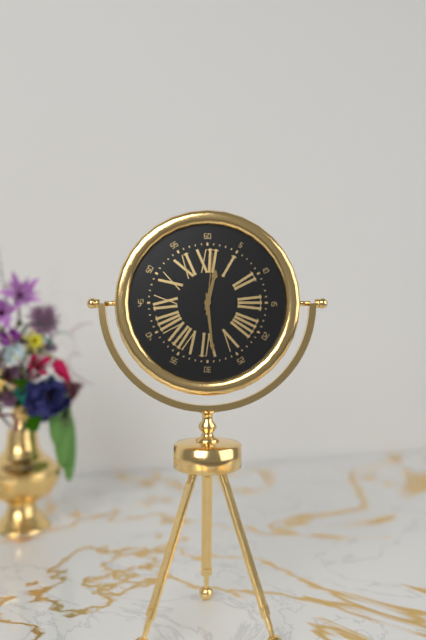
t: 12:29:01
